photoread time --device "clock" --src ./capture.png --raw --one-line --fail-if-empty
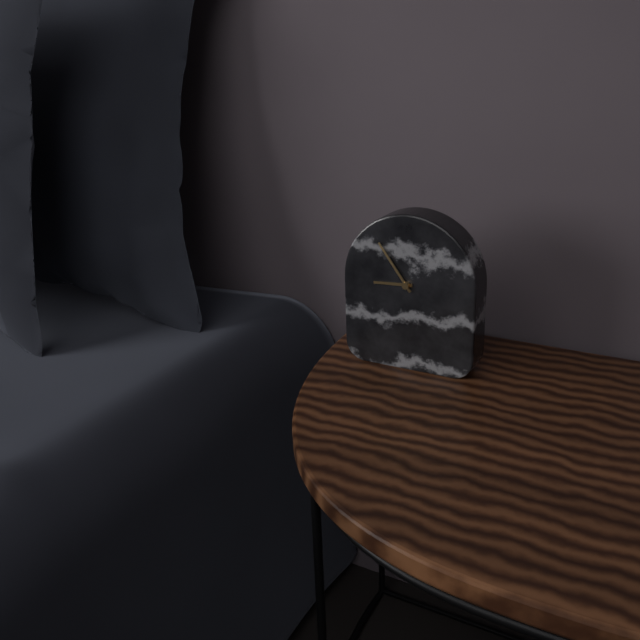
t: 8:54
